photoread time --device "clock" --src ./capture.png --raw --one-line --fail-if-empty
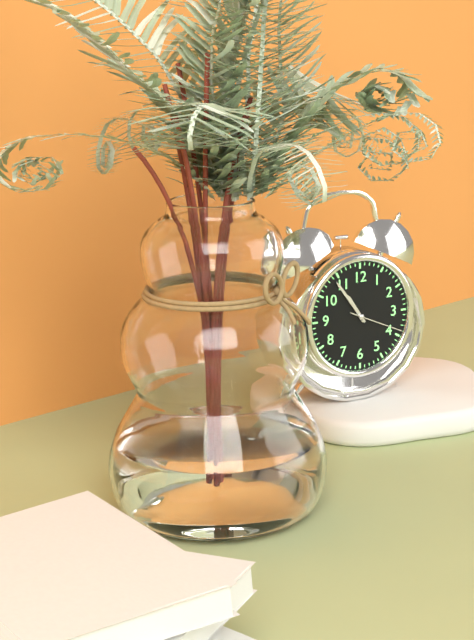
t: 10:54:19
